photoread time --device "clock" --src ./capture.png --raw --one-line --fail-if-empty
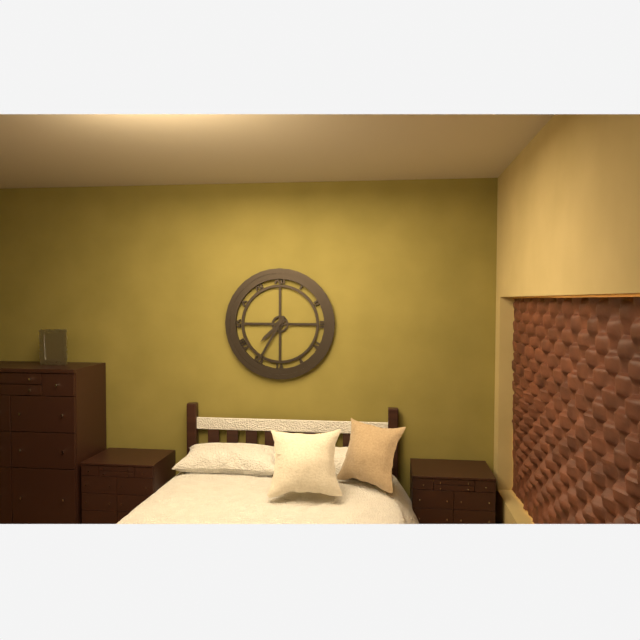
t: 7:35
